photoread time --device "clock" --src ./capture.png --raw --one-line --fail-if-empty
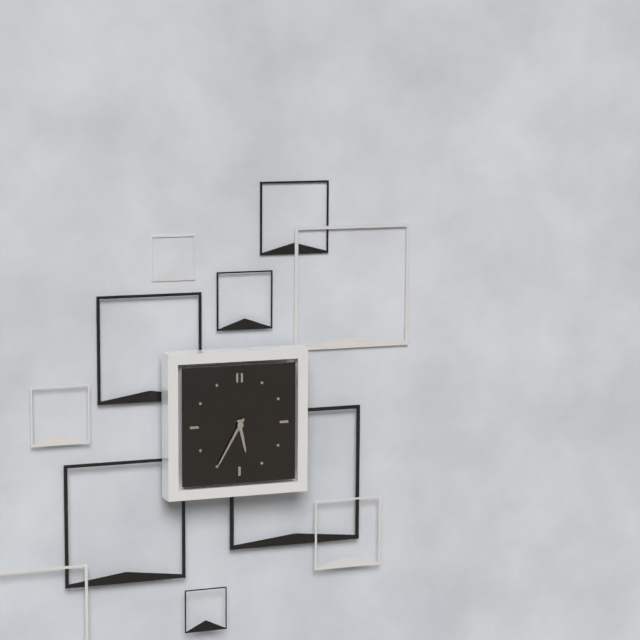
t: 5:35
